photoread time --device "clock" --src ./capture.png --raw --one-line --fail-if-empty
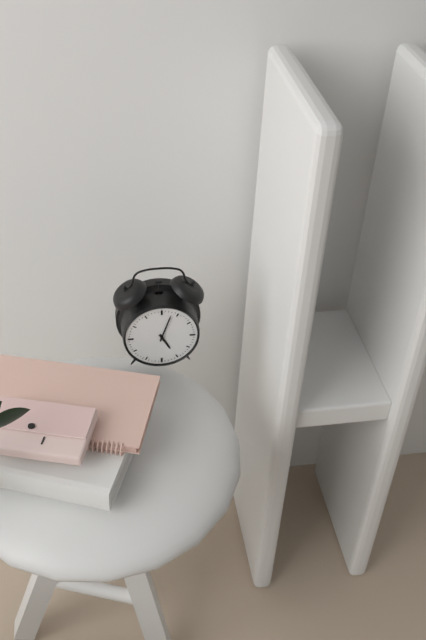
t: 5:03
